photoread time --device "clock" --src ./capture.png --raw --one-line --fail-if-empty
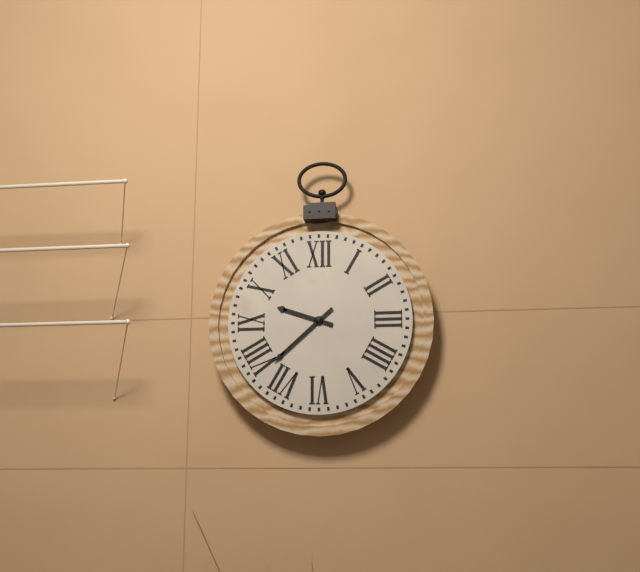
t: 9:38
